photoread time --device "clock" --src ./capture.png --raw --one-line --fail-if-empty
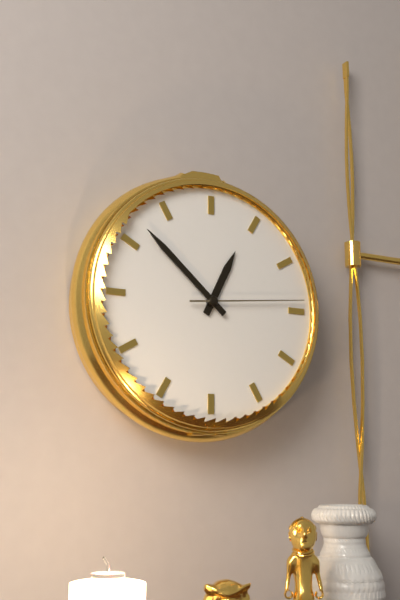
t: 12:52:14
